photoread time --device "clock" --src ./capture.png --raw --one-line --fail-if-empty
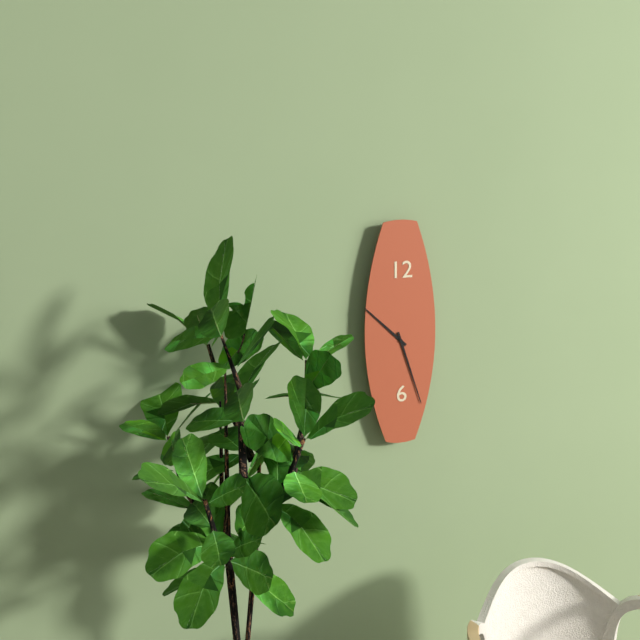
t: 10:27
